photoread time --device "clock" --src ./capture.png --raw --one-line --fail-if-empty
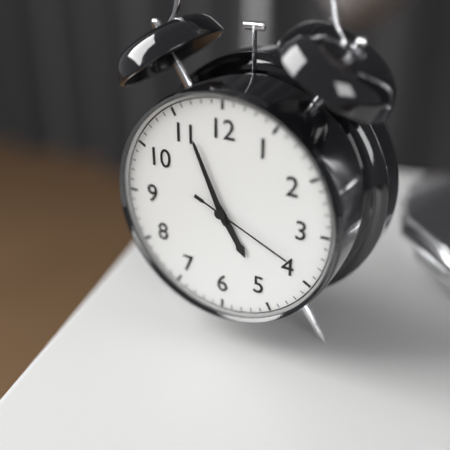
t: 4:56:19
